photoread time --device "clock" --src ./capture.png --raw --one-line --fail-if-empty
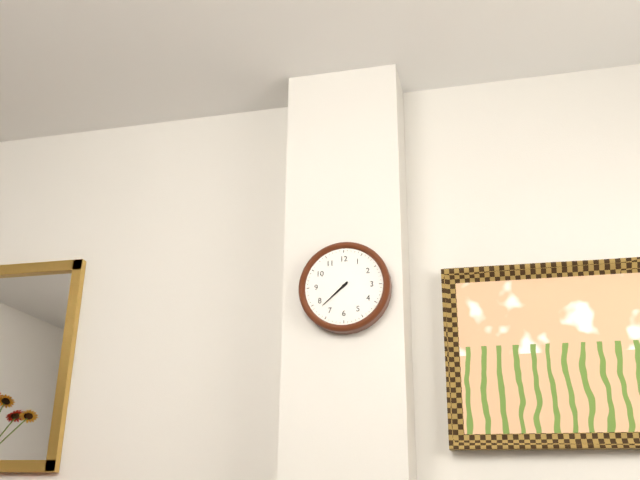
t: 7:38
